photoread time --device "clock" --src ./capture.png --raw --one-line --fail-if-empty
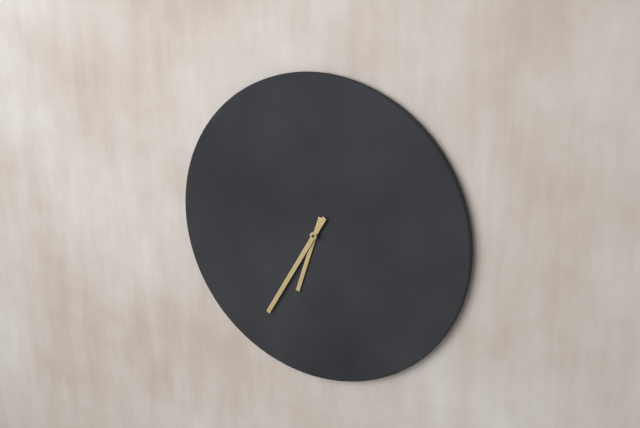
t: 6:35
